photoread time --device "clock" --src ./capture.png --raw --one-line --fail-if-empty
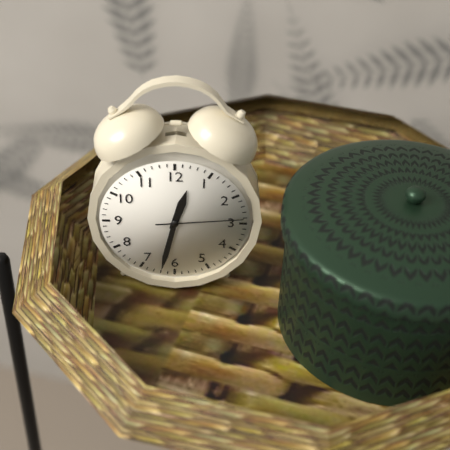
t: 12:32:14
